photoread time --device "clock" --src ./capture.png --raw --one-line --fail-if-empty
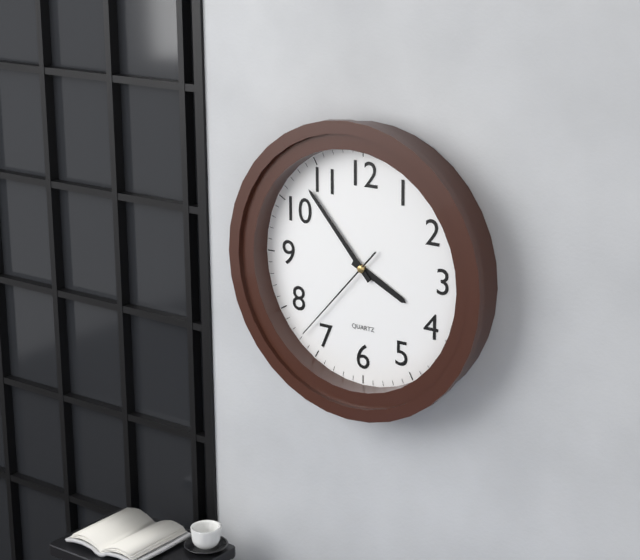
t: 3:53:37
